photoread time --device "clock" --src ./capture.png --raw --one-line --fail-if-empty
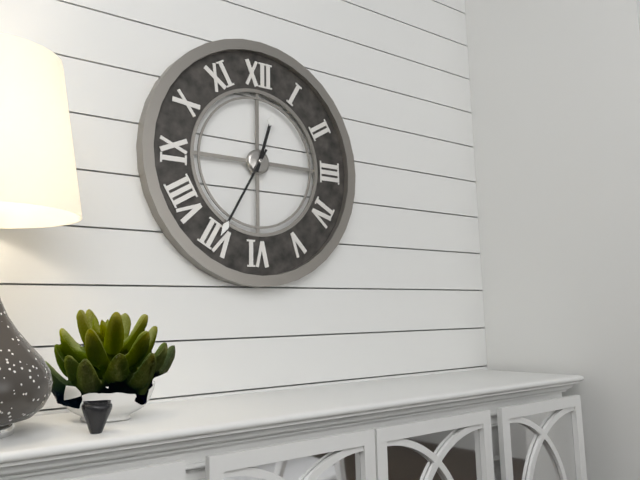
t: 12:35
